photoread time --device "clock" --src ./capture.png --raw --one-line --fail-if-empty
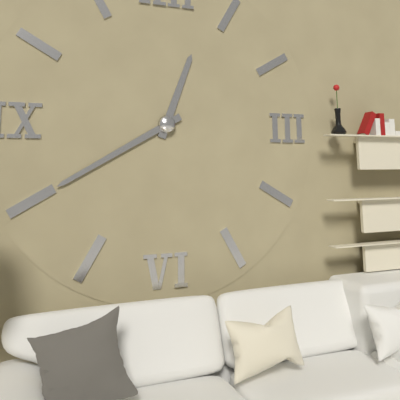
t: 12:40
